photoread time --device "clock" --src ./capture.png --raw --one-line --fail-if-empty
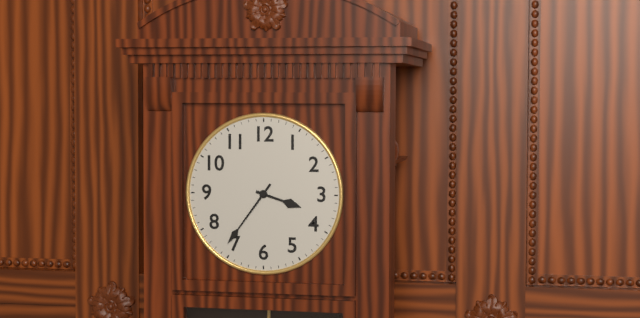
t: 3:36
